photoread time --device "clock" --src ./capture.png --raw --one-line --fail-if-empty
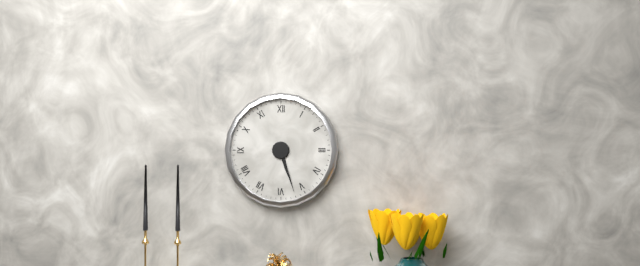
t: 5:27
